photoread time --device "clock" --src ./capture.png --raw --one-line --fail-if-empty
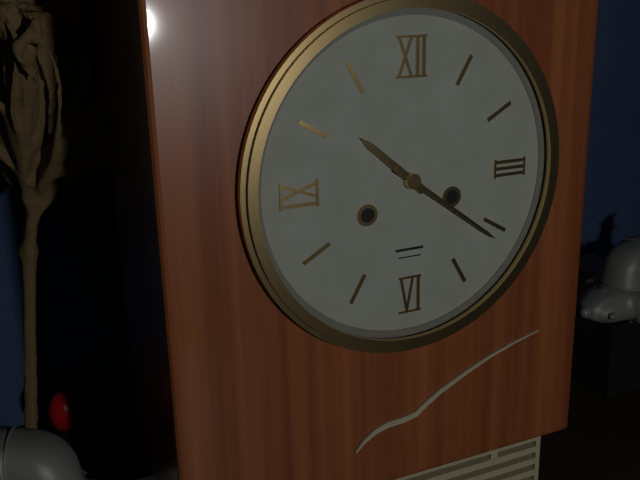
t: 10:21
